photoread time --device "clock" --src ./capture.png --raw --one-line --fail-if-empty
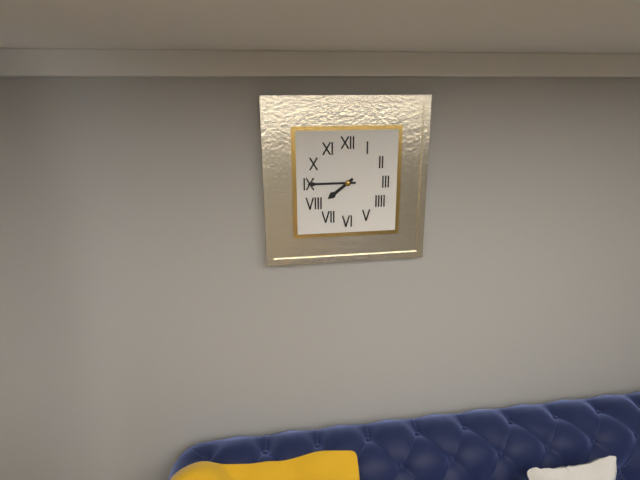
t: 7:45
